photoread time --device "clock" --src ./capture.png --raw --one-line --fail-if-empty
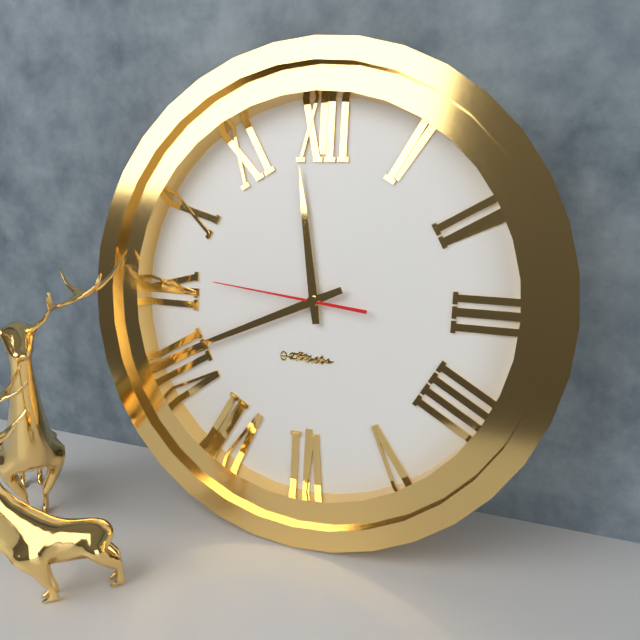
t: 11:41:46
